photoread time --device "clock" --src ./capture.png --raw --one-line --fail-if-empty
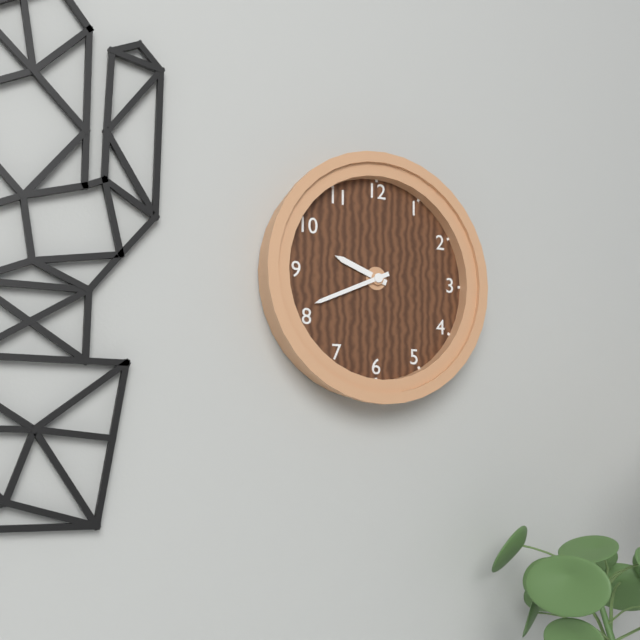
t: 9:41
